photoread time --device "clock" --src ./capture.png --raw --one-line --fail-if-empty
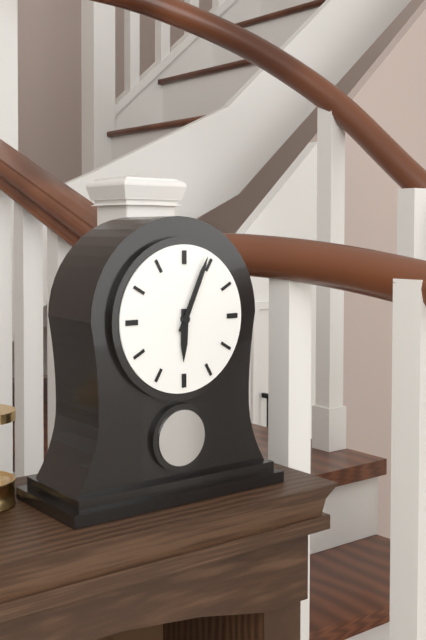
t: 6:04
